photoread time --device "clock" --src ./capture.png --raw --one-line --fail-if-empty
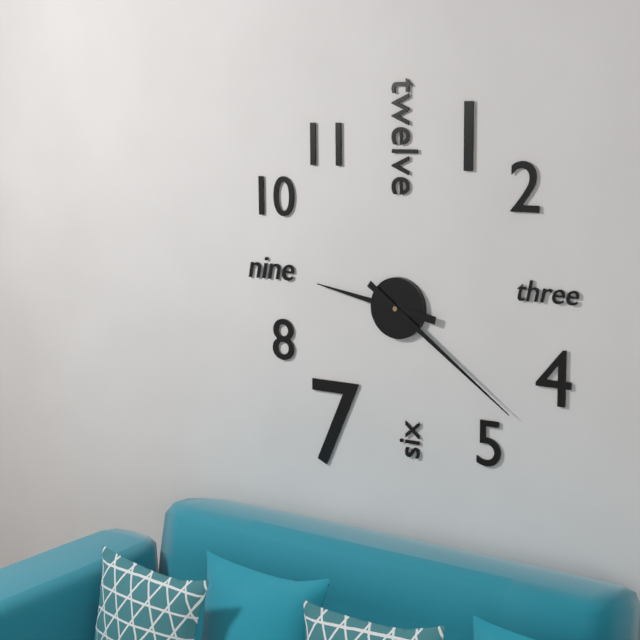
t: 9:21
